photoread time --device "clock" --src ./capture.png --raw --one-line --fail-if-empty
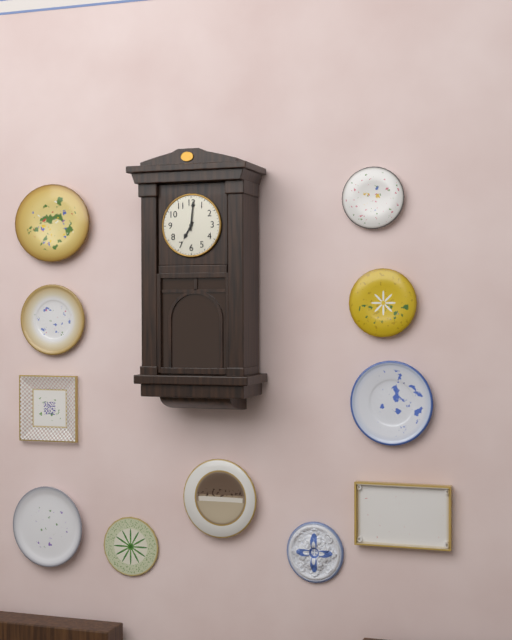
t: 7:01
